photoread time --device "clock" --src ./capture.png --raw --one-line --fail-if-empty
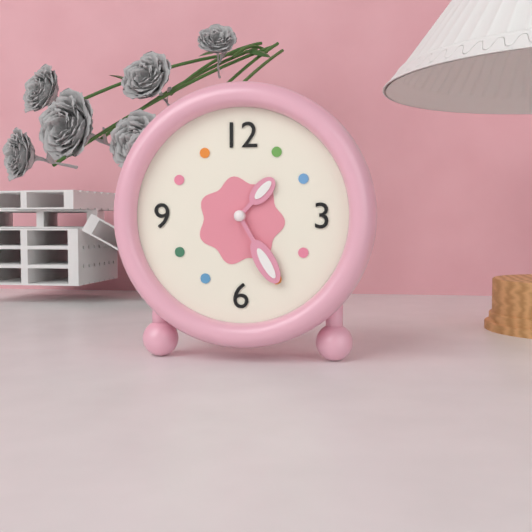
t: 1:25
